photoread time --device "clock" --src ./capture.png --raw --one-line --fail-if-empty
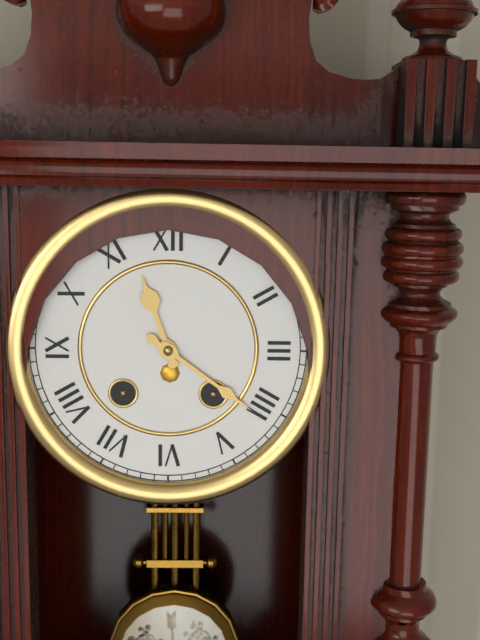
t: 11:21
